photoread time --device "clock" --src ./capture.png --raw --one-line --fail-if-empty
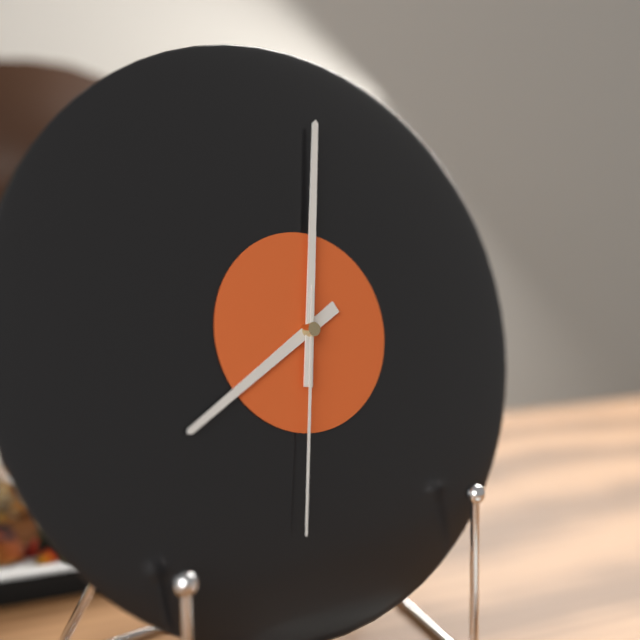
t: 8:02:32
